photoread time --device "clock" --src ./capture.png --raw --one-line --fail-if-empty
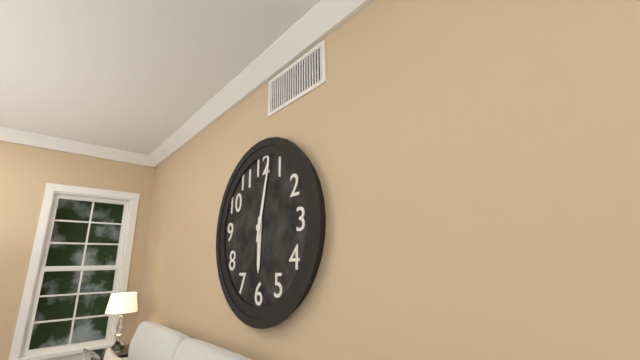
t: 6:02
